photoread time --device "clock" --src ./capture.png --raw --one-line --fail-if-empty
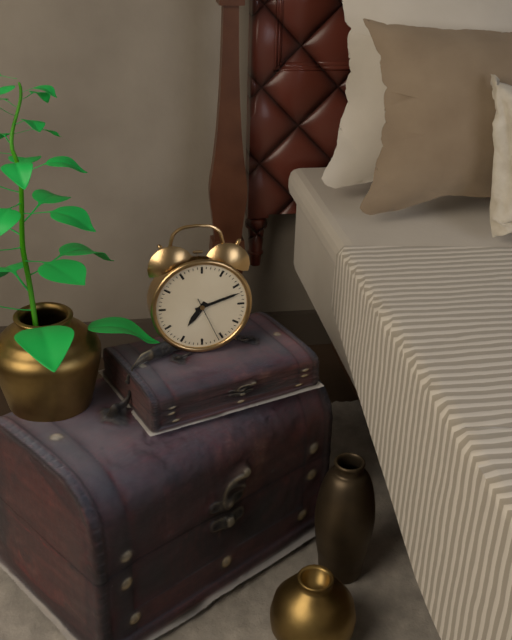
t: 7:12
